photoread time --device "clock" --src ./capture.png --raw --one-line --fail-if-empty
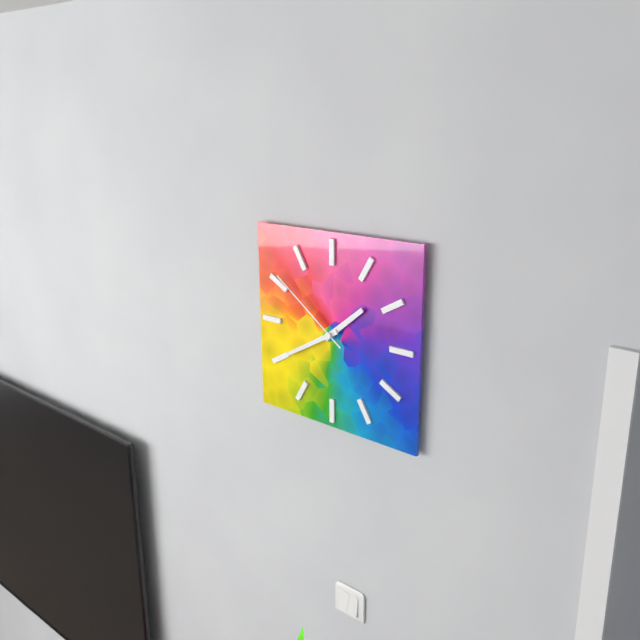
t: 1:40:51
